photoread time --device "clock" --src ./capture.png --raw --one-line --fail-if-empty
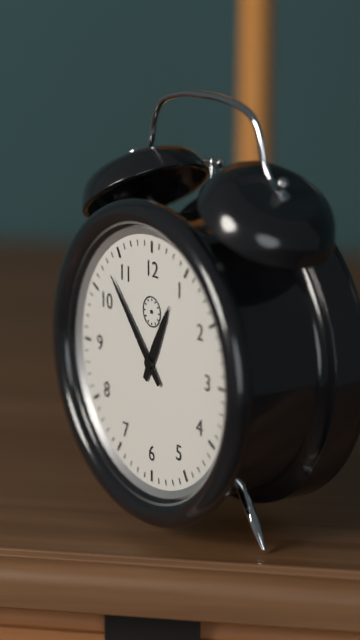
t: 12:53
